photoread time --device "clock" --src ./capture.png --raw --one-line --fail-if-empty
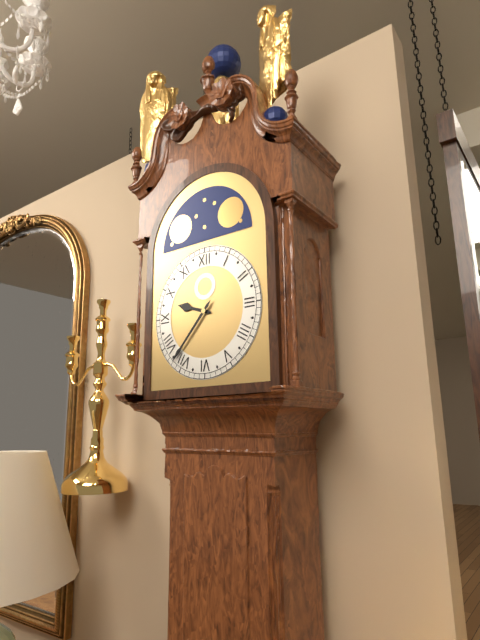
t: 9:37
